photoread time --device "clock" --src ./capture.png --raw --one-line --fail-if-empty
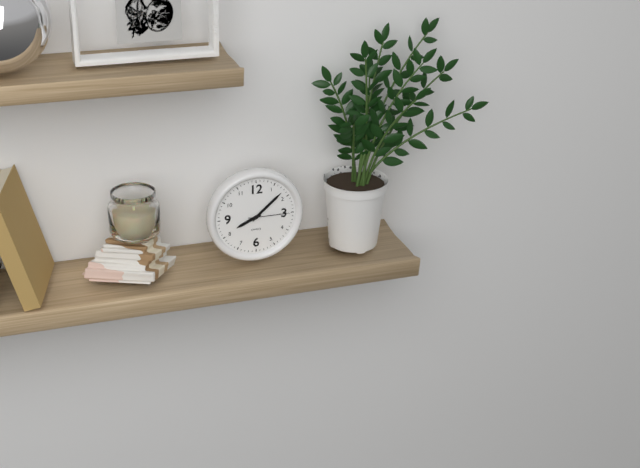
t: 8:08
